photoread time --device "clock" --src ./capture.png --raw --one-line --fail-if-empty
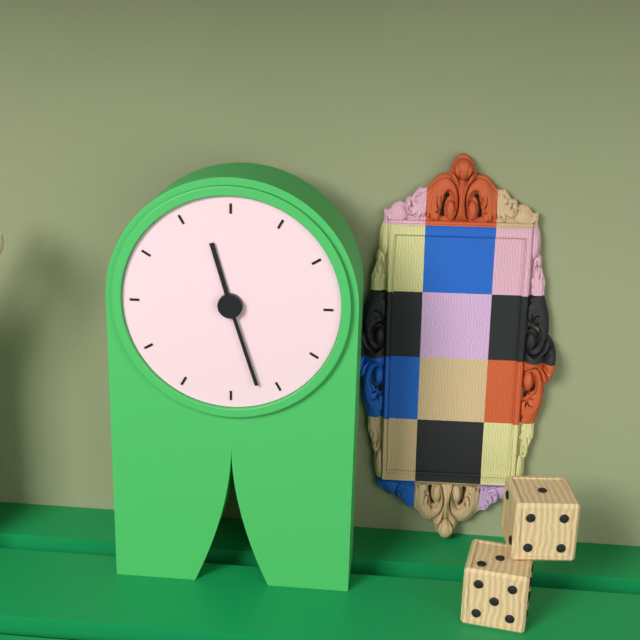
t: 11:27
